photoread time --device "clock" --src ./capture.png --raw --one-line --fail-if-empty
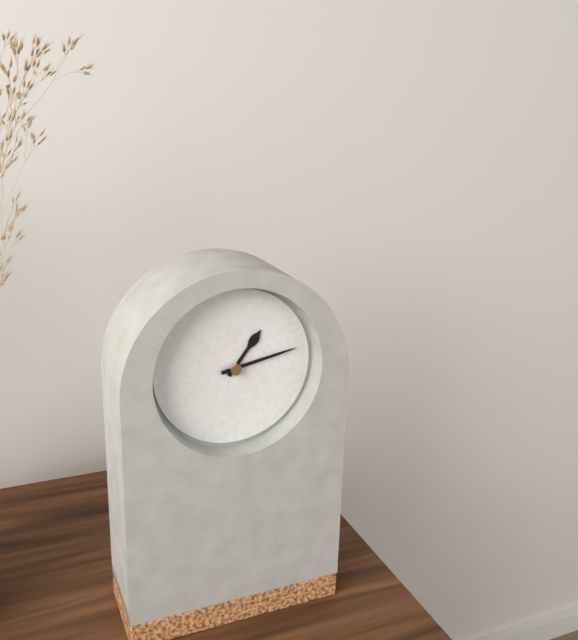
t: 1:13
